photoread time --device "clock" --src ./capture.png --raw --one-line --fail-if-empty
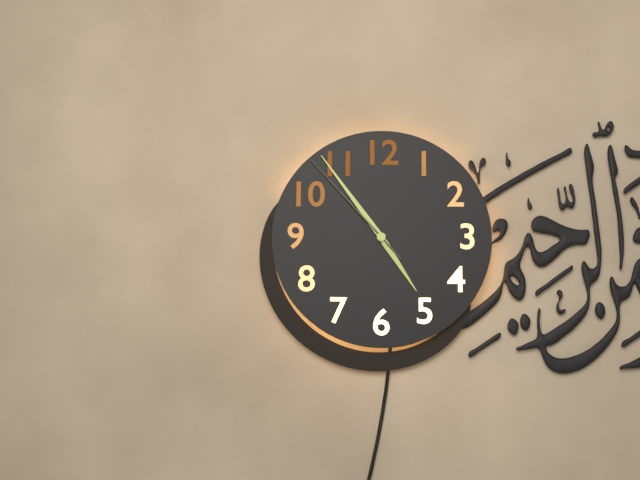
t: 4:54:53
